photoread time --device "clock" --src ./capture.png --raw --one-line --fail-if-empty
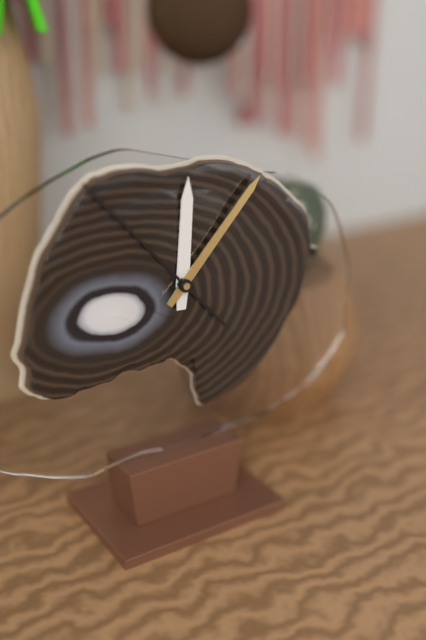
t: 12:07:53
